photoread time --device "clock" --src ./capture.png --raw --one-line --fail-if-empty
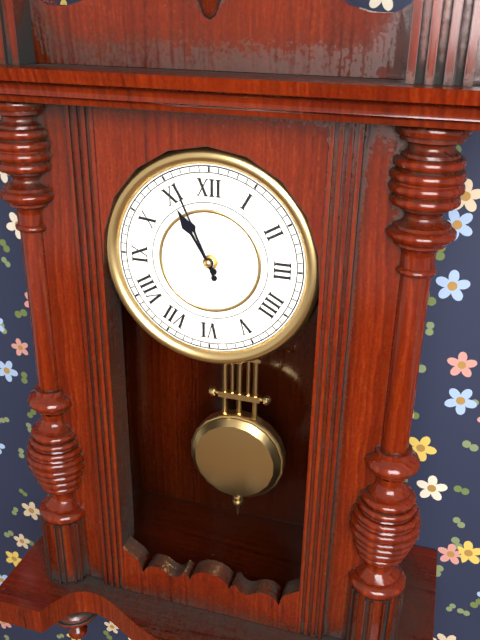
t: 10:56
